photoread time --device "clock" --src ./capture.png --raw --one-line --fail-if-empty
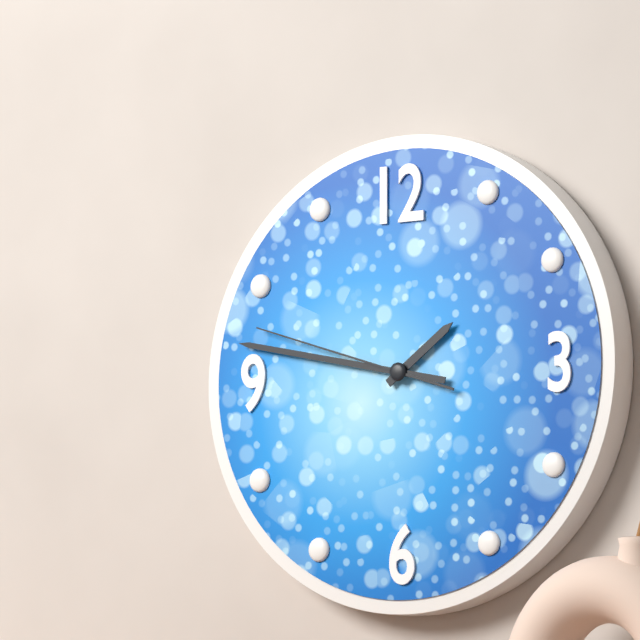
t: 1:47:48
